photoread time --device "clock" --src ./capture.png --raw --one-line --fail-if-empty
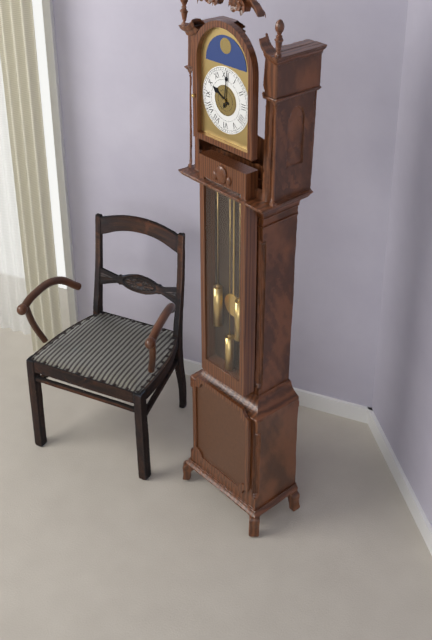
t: 10:01
